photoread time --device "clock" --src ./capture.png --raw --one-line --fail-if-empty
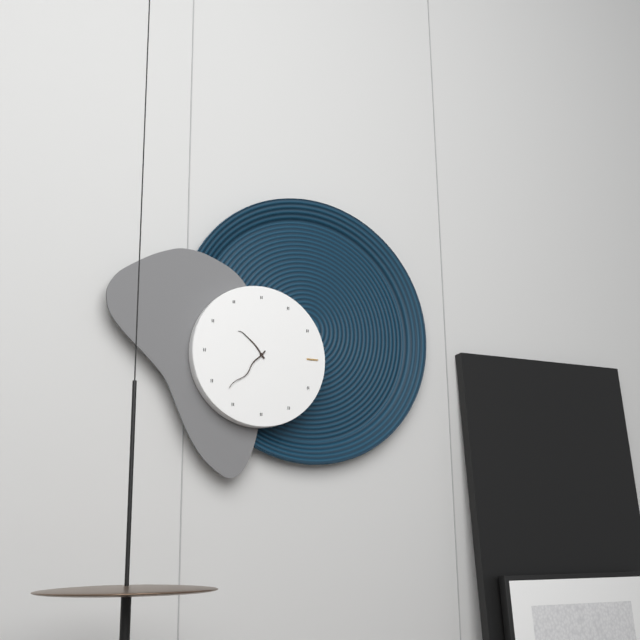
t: 10:37
